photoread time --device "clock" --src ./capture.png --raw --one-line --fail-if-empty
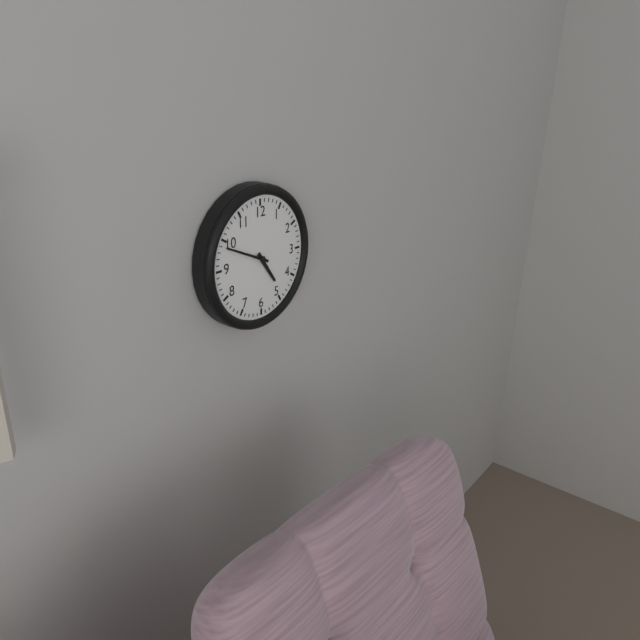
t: 4:49
